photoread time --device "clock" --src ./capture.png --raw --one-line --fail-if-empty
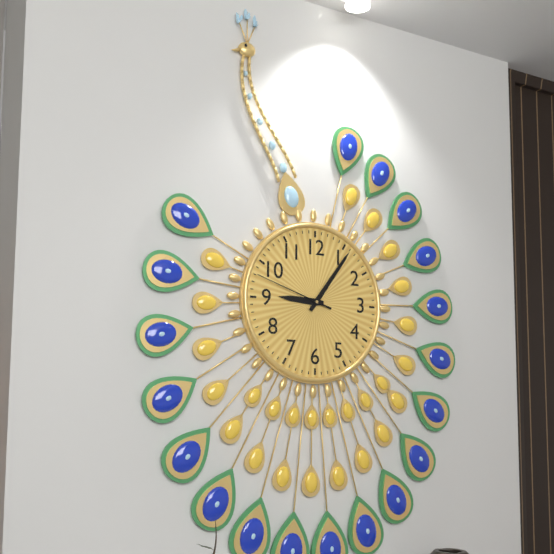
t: 9:06:48
